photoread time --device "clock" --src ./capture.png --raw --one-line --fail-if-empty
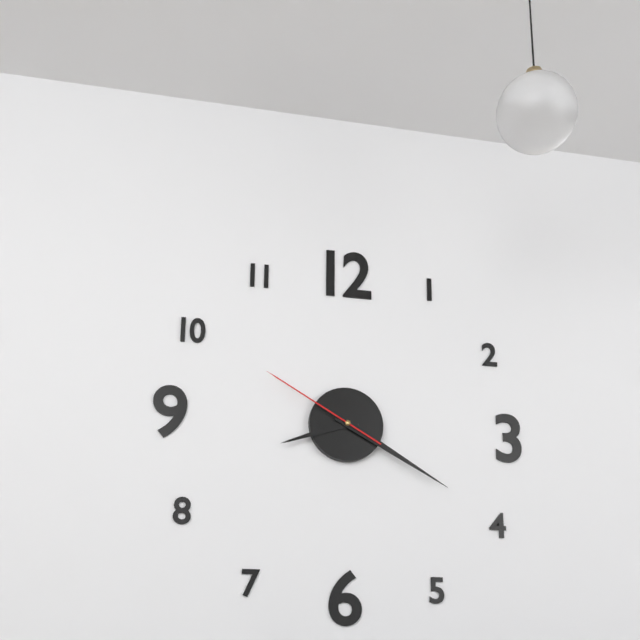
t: 8:20:50
